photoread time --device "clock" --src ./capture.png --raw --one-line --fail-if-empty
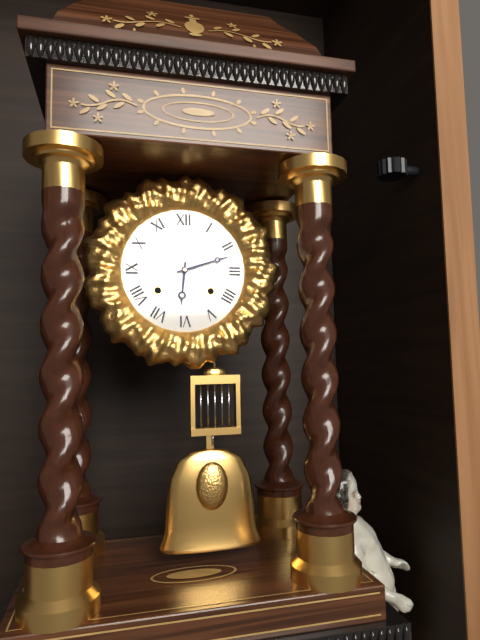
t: 6:12
